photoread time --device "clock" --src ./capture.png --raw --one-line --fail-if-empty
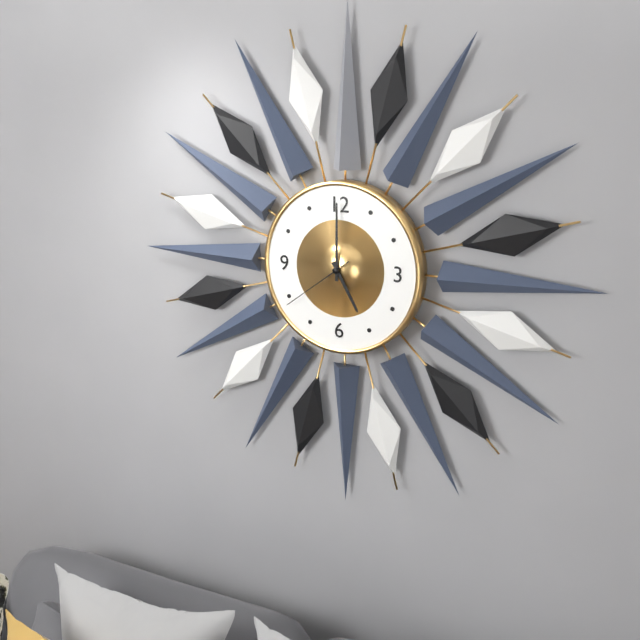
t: 5:00:39
